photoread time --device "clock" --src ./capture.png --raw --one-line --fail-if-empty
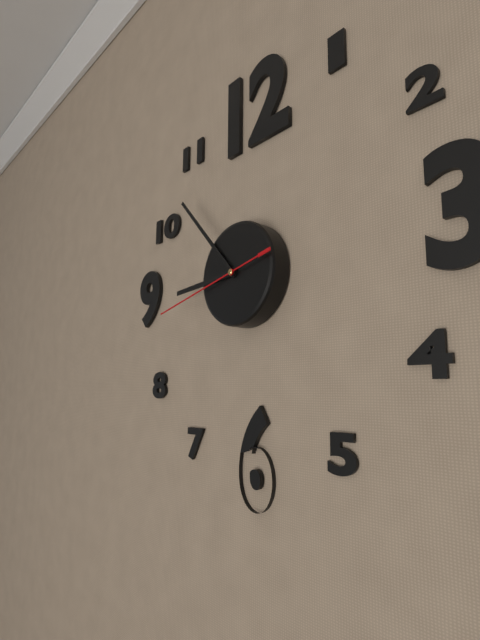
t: 8:53:43
